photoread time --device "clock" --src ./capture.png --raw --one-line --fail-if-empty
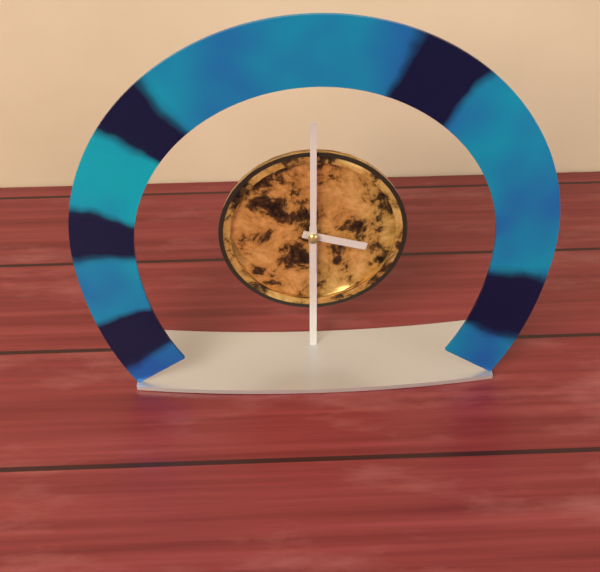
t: 3:30:00
